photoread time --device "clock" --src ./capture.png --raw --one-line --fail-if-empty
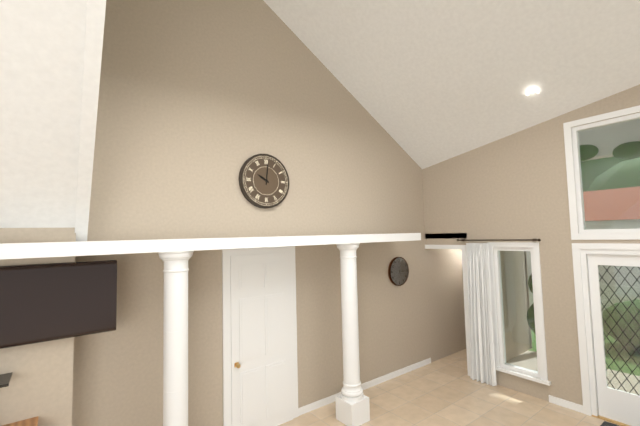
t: 10:01
